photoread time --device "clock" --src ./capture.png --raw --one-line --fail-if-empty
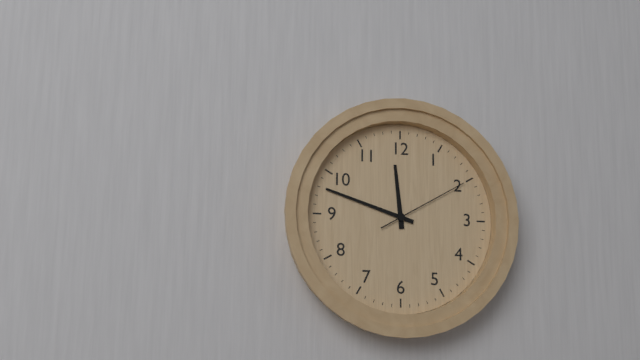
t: 11:48:10
